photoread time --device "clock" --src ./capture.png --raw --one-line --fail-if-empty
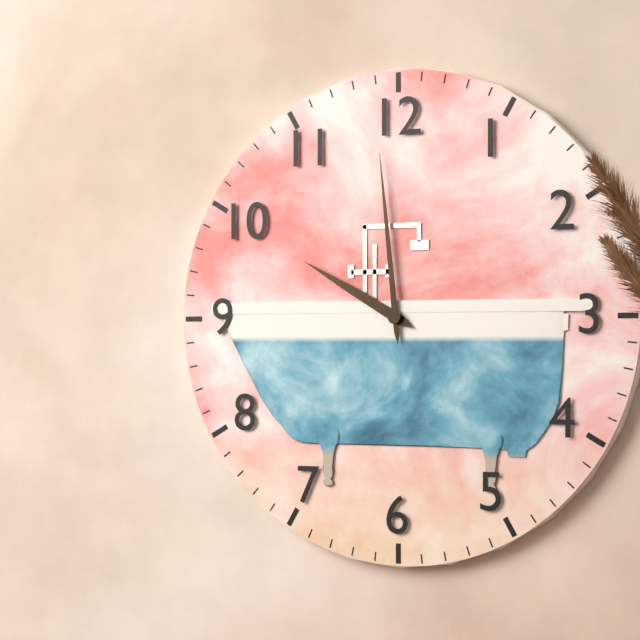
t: 9:59
